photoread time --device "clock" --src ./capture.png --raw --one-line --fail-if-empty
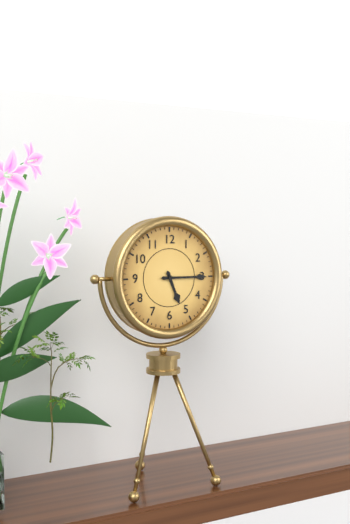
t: 5:15
